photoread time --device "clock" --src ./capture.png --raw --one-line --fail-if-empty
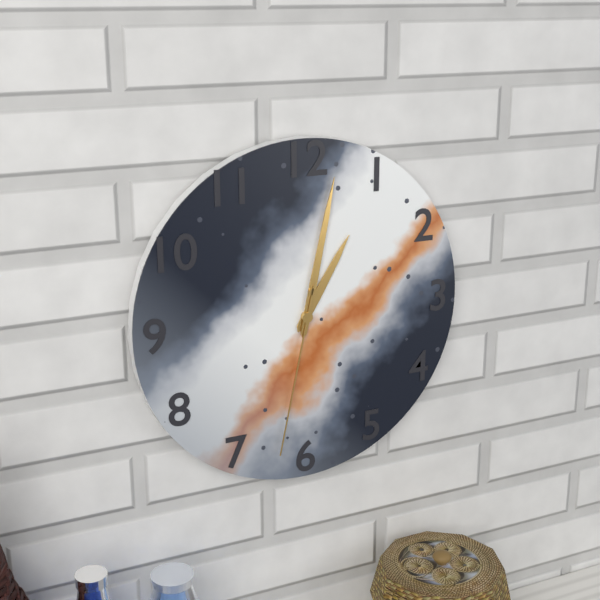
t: 1:02:32
